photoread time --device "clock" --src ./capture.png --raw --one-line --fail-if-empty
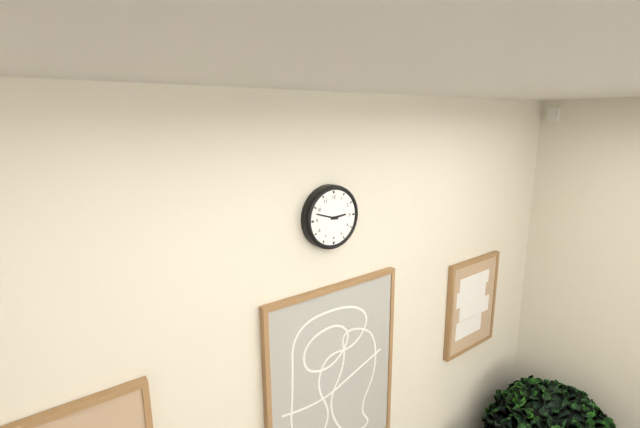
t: 2:48
